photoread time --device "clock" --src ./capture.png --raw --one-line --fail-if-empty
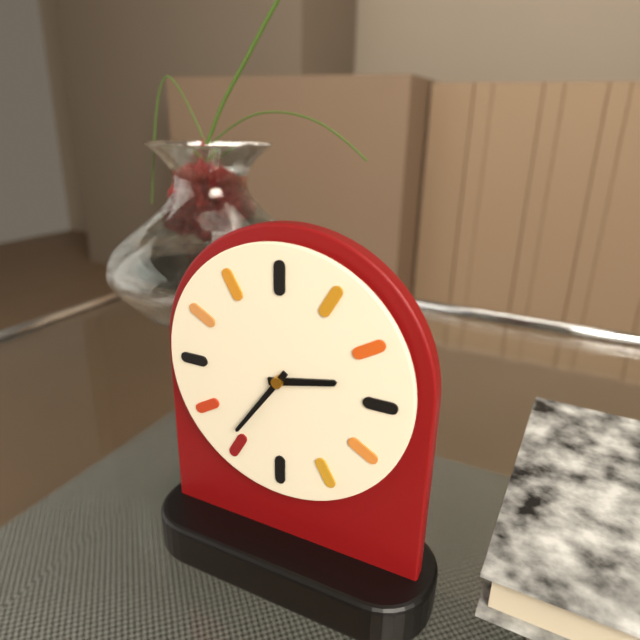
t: 2:36
